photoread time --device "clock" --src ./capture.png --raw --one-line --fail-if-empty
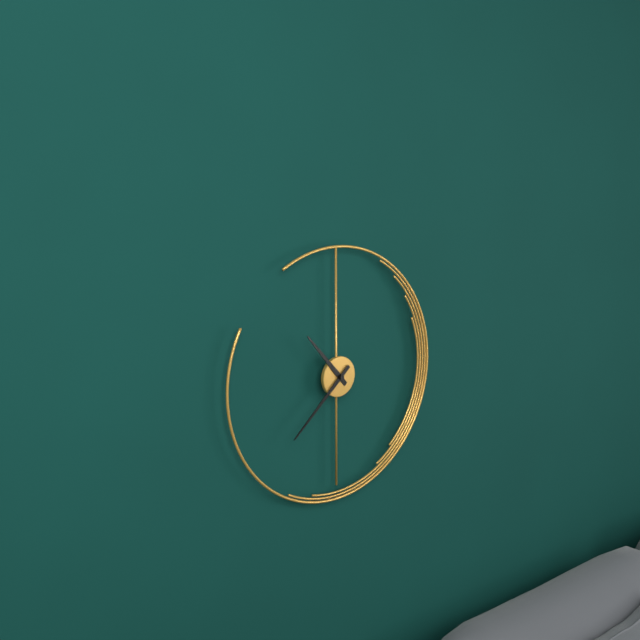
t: 10:38
